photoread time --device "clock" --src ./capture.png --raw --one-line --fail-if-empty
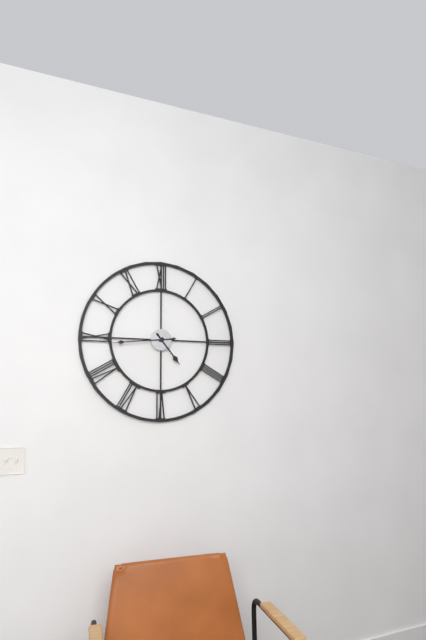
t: 4:44
